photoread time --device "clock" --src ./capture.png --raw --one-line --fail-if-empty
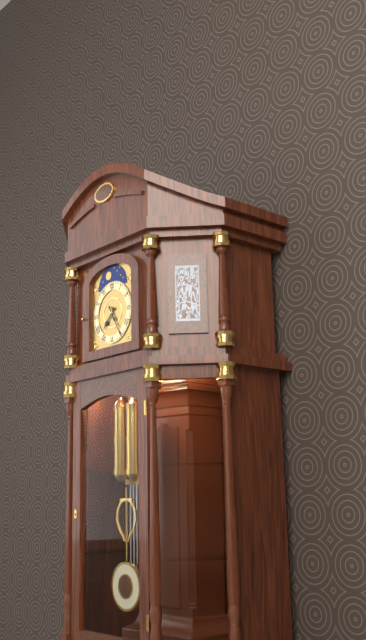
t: 7:25
